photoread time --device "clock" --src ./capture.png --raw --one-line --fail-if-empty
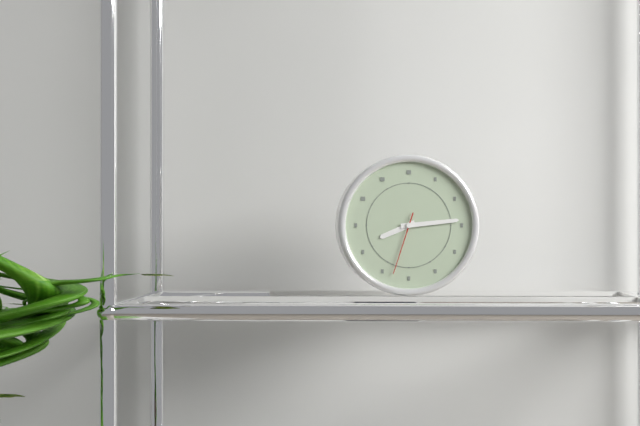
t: 8:14:33
